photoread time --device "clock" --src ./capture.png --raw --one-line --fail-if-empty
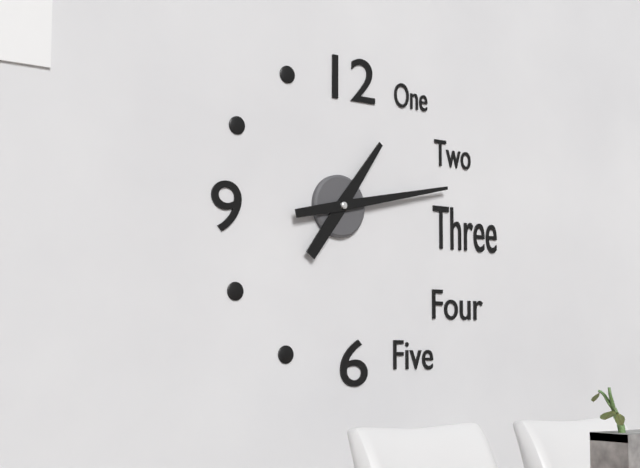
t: 1:13
